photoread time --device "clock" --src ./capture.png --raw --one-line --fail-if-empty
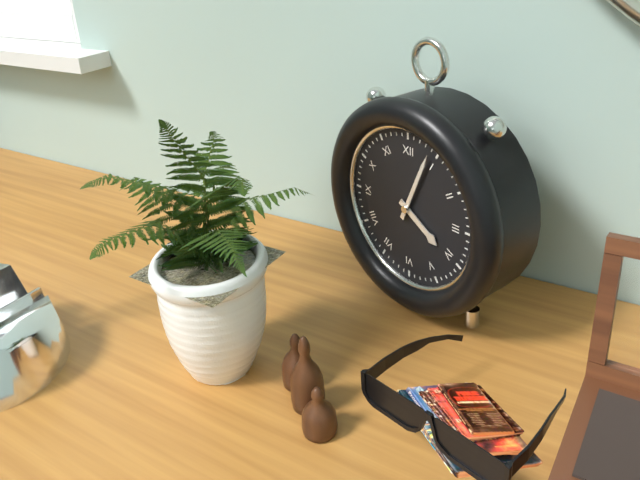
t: 4:04
